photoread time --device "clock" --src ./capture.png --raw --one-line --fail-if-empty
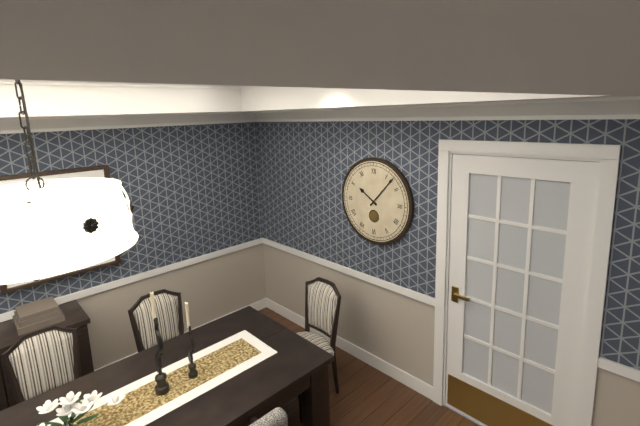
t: 10:07
